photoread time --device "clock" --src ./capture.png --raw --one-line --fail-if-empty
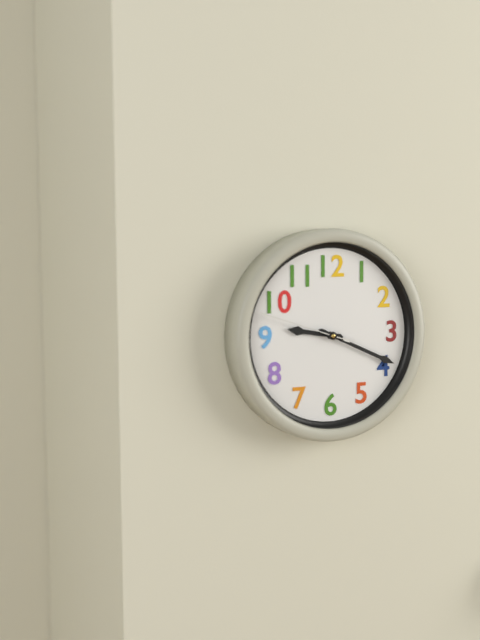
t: 9:19:48
